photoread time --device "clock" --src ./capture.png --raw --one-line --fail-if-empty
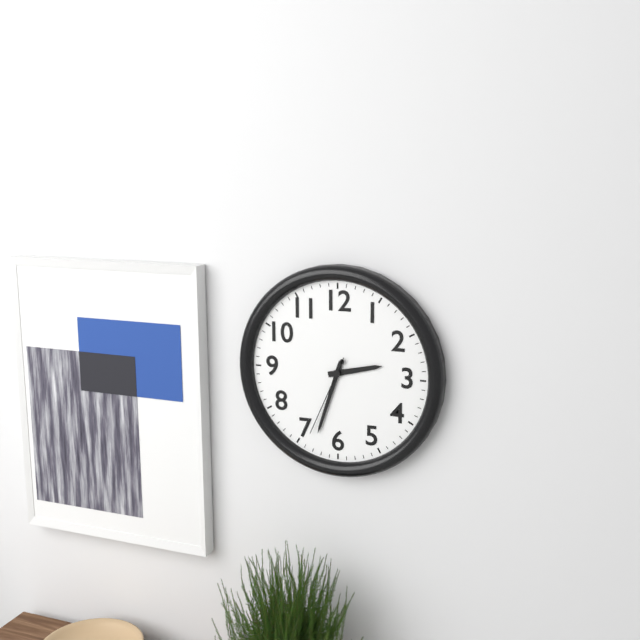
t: 2:33:34
